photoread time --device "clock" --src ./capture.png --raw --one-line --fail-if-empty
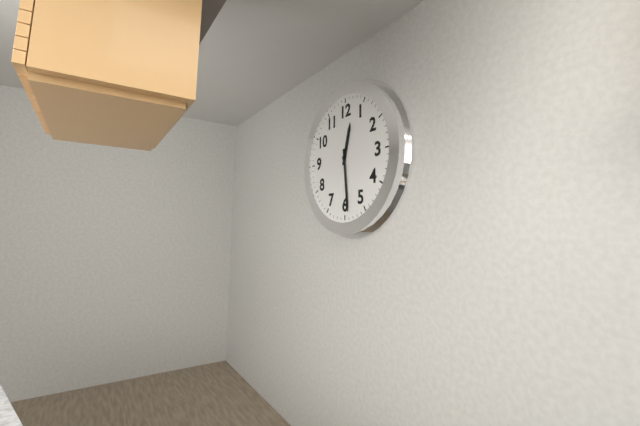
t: 12:29
